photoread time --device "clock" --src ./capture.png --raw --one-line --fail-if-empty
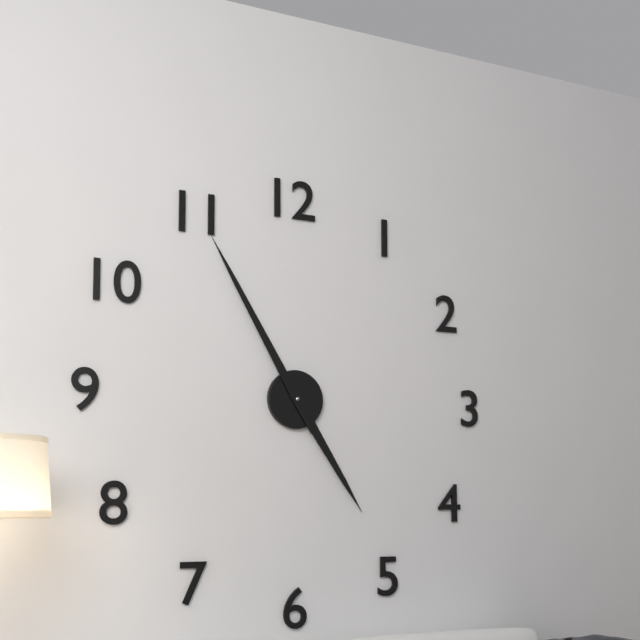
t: 4:55
